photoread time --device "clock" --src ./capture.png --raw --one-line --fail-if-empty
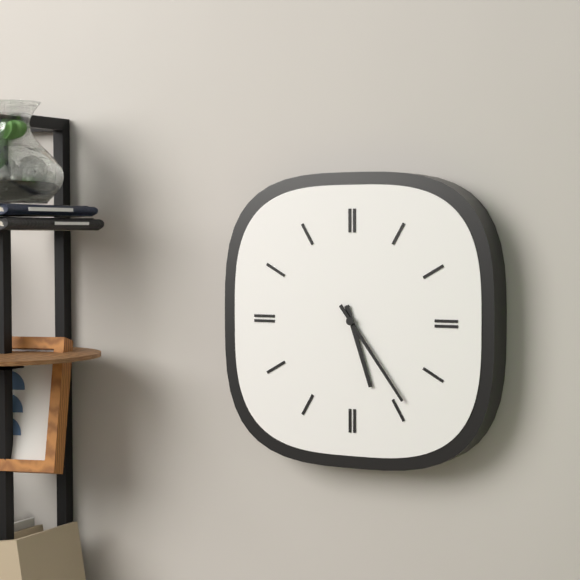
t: 5:24
